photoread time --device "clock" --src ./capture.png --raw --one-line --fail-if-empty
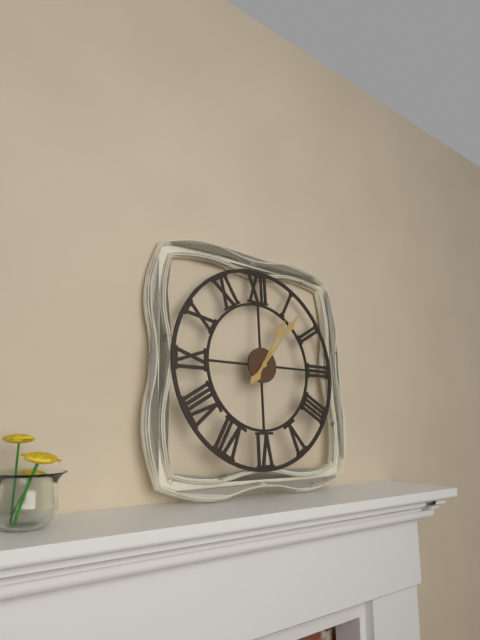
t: 1:07
